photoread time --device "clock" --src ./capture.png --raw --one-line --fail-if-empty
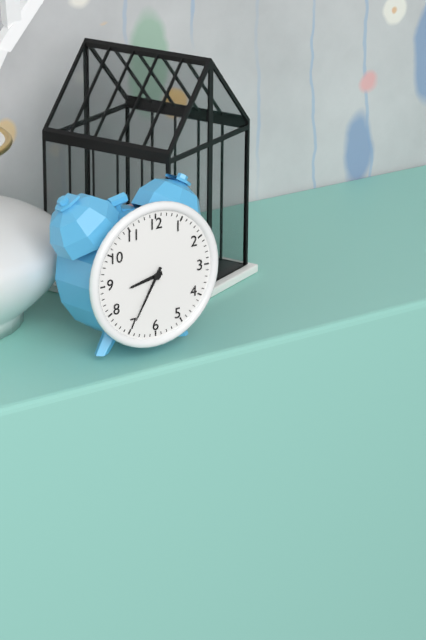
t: 8:35
